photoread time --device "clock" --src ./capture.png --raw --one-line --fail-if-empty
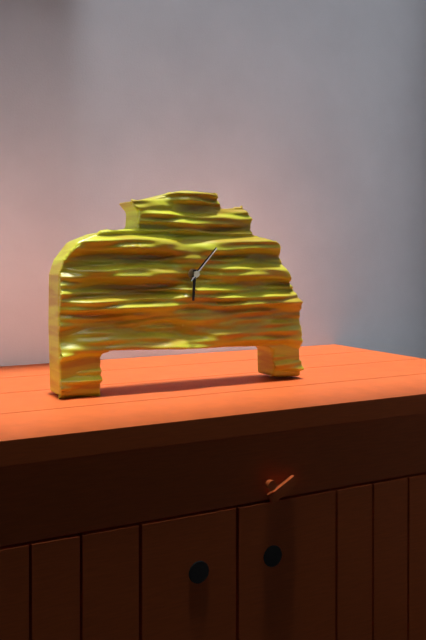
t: 6:07
